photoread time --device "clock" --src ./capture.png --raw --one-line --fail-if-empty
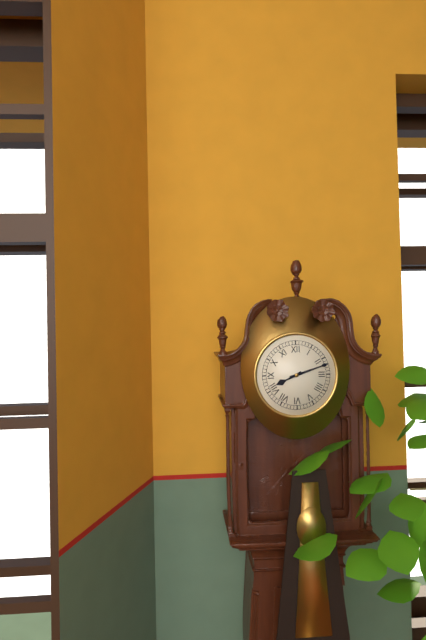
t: 8:12
